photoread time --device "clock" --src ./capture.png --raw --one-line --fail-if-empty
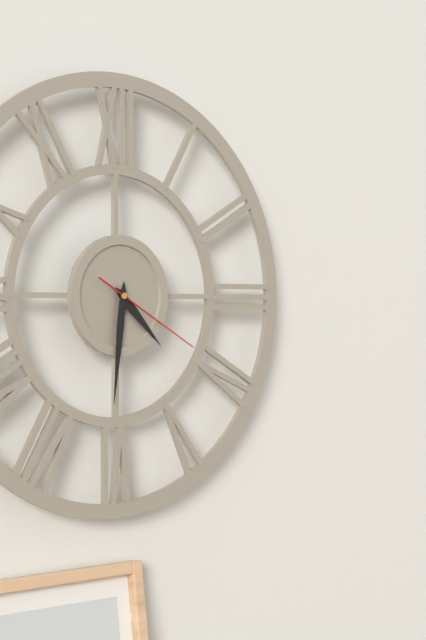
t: 4:31:20
